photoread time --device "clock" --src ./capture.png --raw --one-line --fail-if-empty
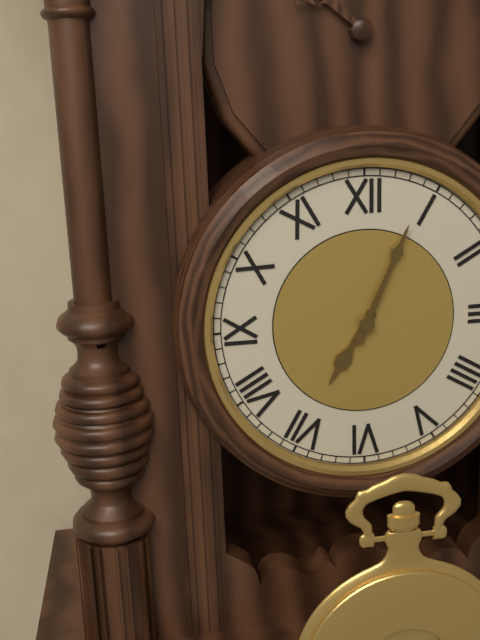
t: 7:04
